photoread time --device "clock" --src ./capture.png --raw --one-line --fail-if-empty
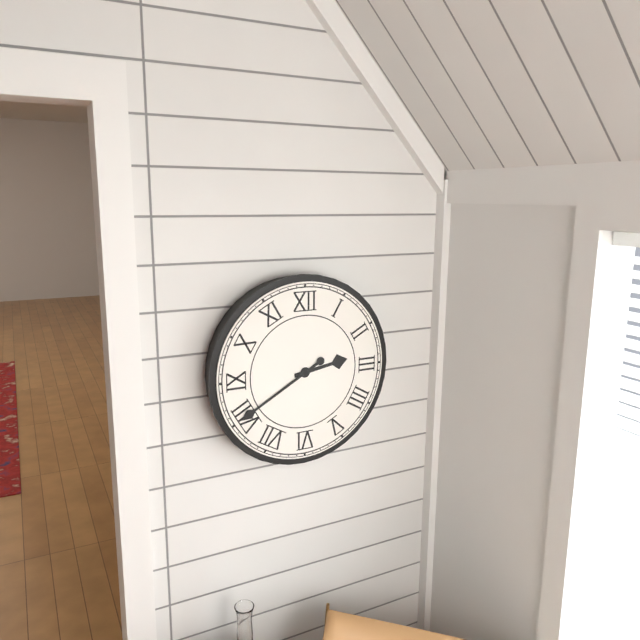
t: 2:40
